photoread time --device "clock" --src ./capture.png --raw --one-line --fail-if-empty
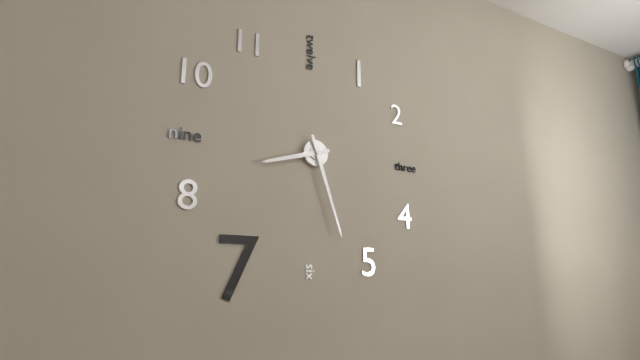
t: 8:27
